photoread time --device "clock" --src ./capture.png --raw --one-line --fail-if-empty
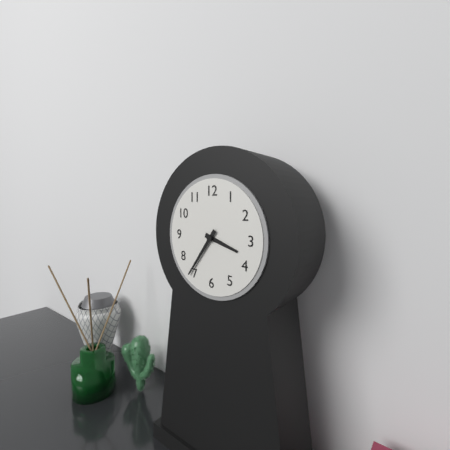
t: 3:36
